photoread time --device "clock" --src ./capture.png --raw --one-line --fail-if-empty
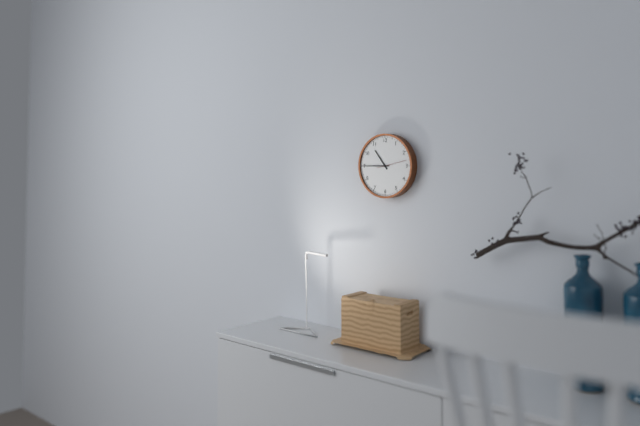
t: 10:45
